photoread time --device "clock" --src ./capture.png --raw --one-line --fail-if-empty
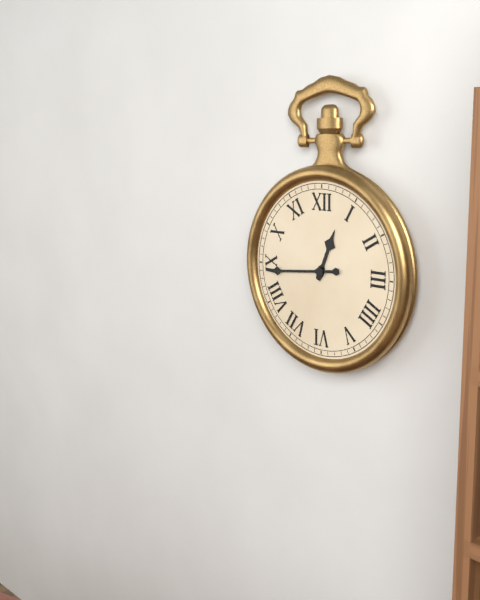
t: 12:44
